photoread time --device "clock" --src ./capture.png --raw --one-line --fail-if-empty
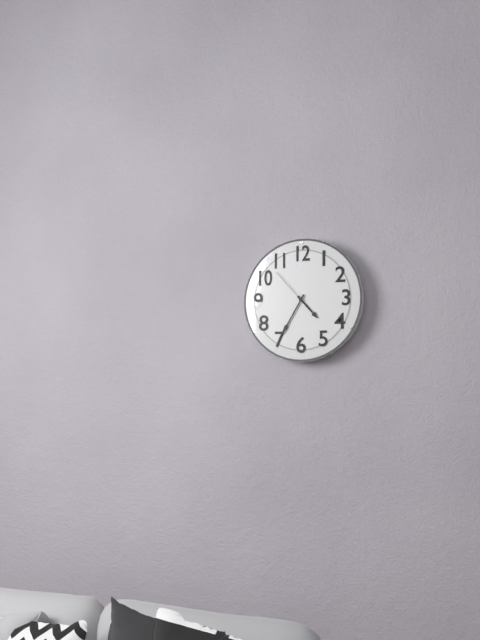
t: 4:35
